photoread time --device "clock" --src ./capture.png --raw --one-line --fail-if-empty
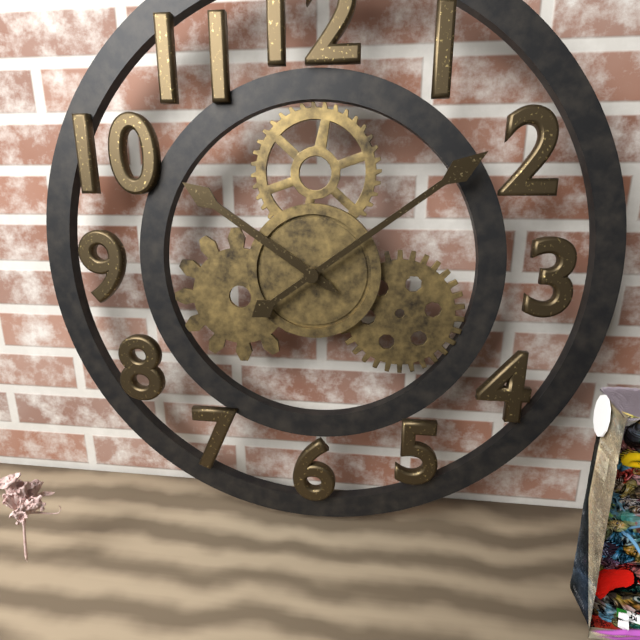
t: 10:09
